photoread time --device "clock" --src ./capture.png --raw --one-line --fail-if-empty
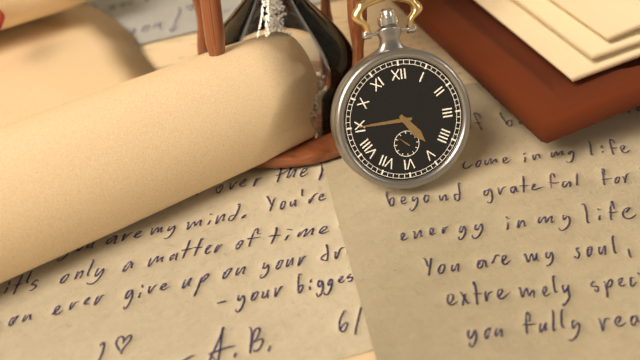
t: 4:45
